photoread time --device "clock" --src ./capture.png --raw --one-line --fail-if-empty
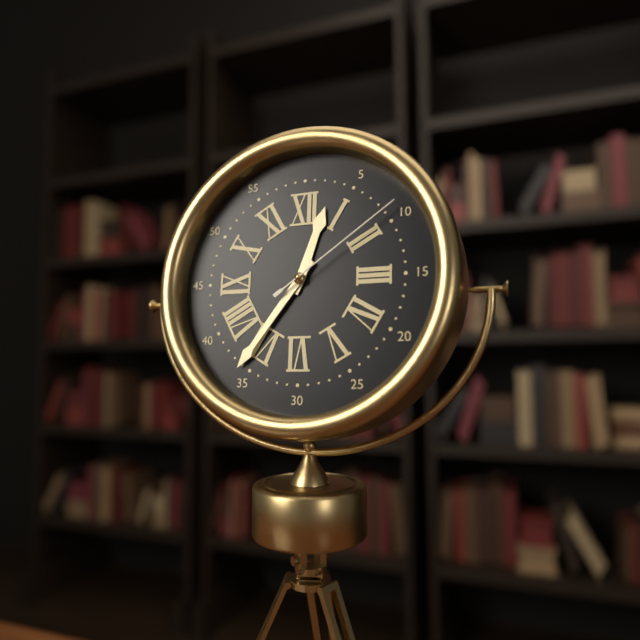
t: 12:36:09
